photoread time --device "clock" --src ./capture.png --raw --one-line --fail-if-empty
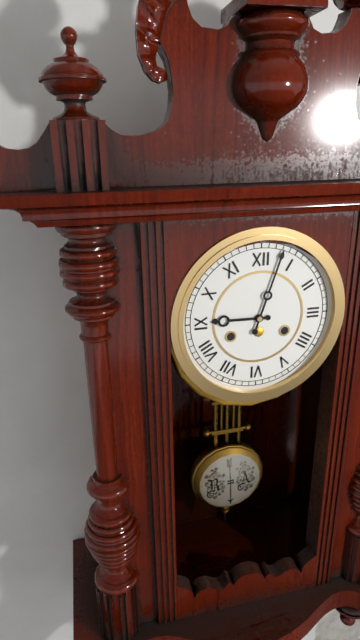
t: 9:03
